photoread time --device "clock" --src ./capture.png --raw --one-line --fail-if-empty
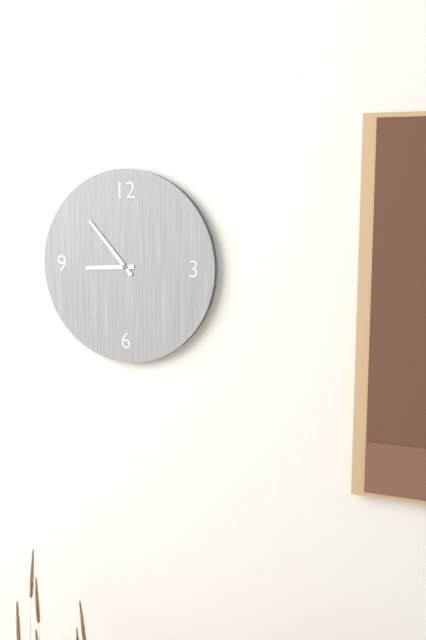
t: 8:53
